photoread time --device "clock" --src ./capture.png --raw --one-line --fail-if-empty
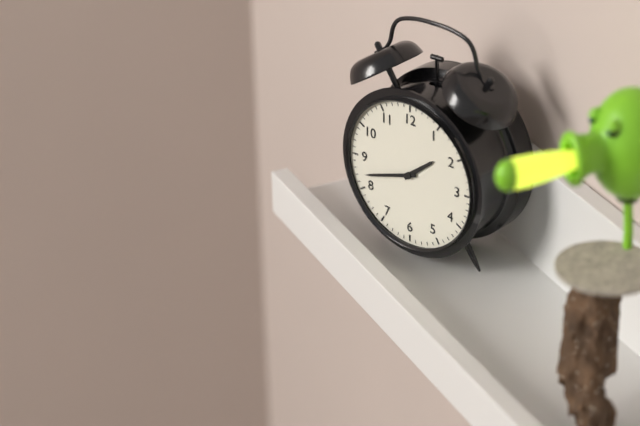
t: 1:42
